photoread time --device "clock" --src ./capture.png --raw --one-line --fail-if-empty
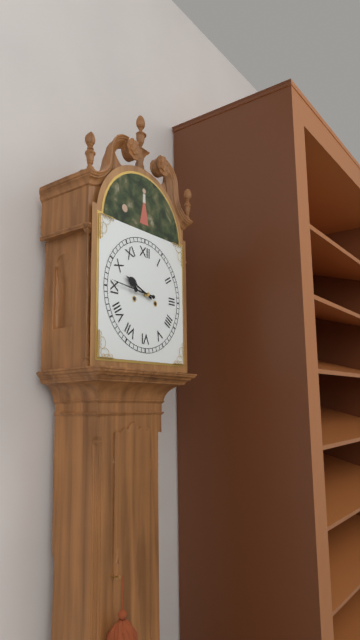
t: 9:46
